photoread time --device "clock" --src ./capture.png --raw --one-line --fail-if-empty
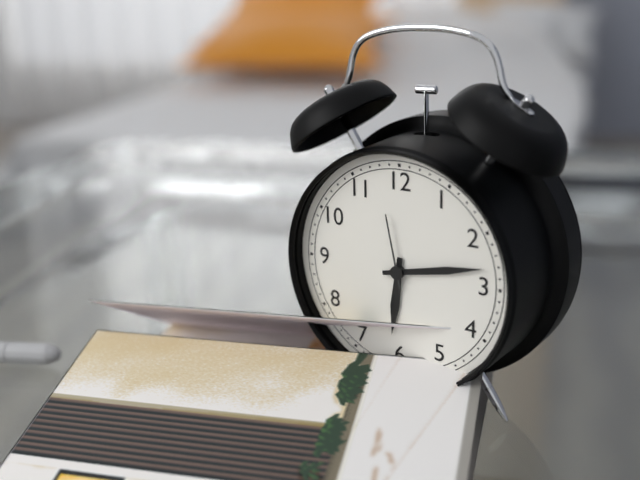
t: 6:13:58
